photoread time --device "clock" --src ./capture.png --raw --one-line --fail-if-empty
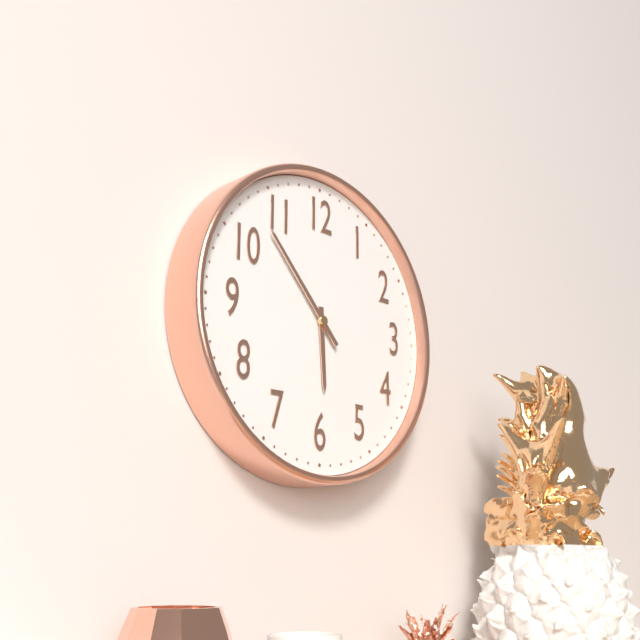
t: 5:53
